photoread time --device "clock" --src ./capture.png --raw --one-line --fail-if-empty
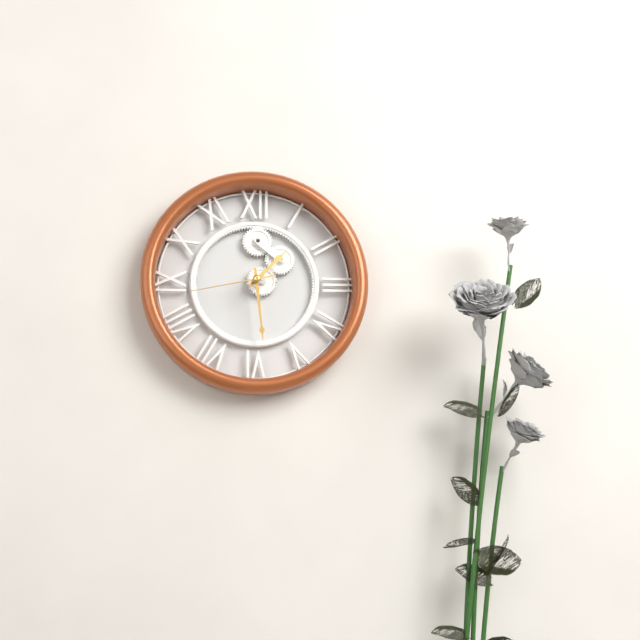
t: 1:29:43
